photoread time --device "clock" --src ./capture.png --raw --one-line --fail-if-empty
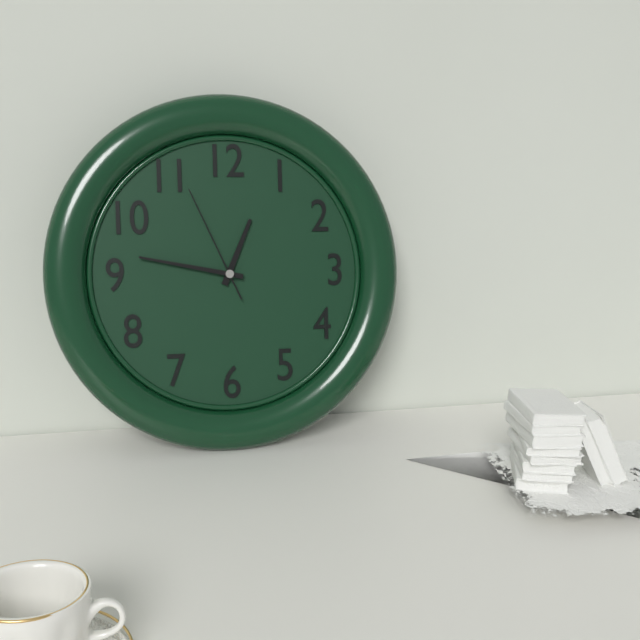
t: 12:47:56
